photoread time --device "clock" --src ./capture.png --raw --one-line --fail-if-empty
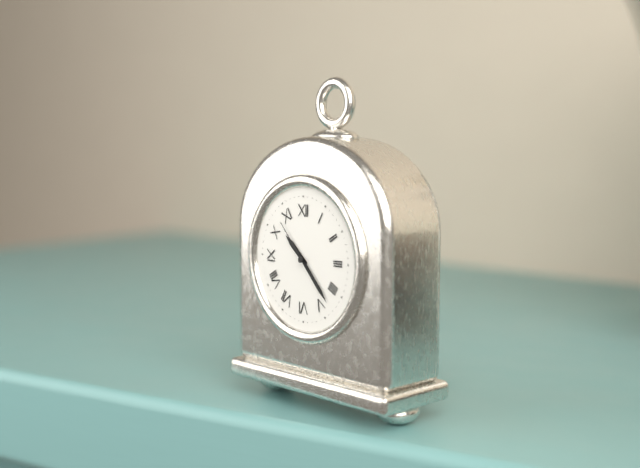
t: 10:23:53
